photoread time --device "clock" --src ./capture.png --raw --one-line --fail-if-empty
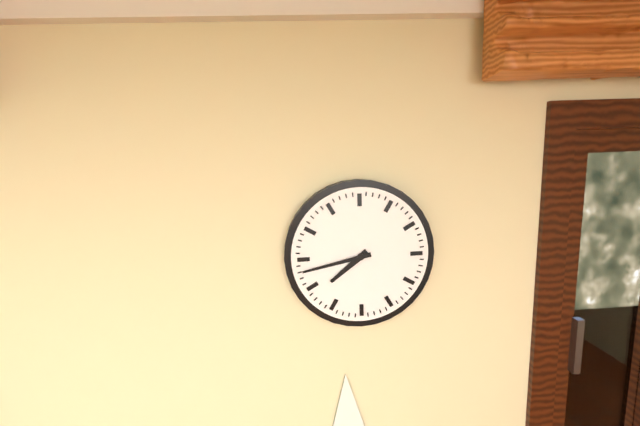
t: 7:43
